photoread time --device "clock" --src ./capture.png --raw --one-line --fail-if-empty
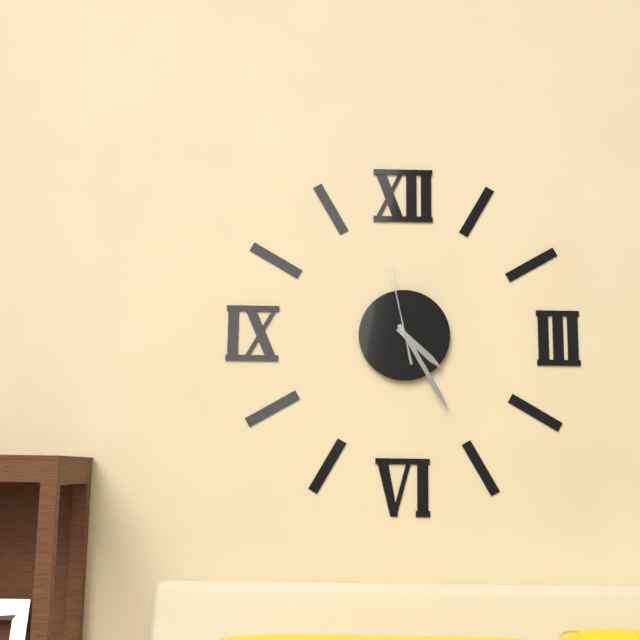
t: 4:25:58
